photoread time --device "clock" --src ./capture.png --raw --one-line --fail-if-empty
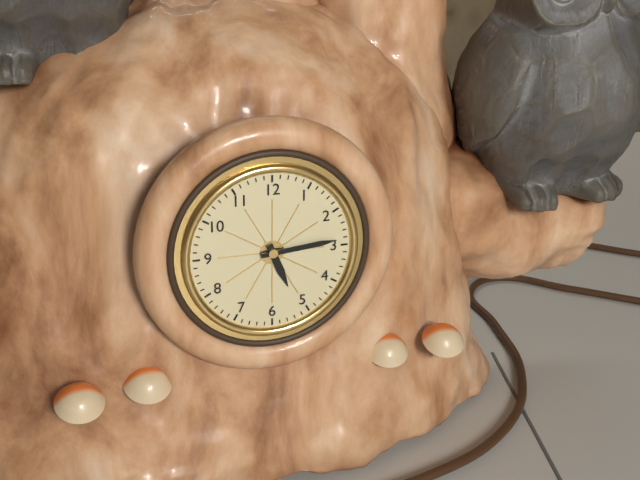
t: 5:14
